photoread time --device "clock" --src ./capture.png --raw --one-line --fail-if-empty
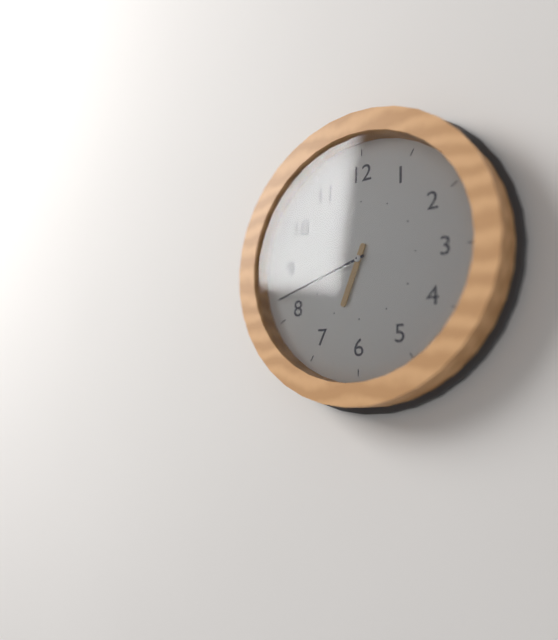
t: 6:42
